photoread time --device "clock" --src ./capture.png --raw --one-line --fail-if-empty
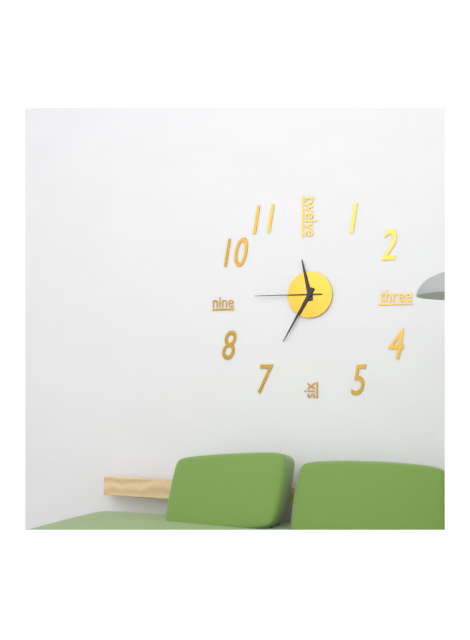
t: 11:35:45
